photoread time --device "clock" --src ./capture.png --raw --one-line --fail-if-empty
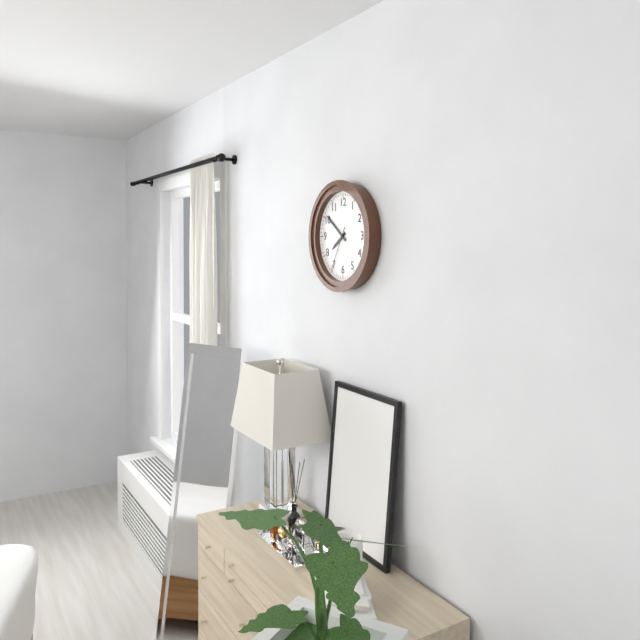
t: 7:51
